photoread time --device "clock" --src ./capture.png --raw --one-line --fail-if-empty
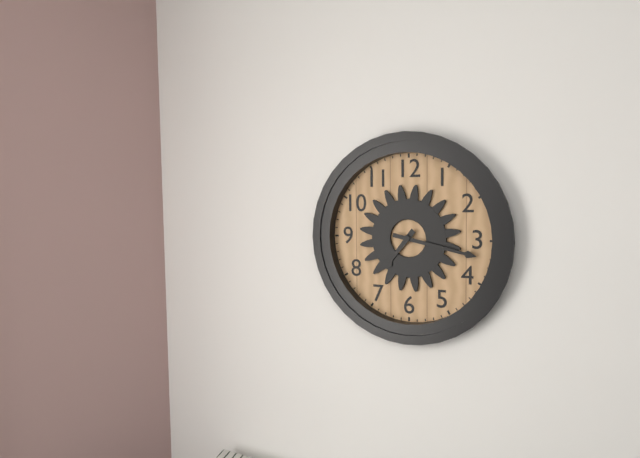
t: 7:17
